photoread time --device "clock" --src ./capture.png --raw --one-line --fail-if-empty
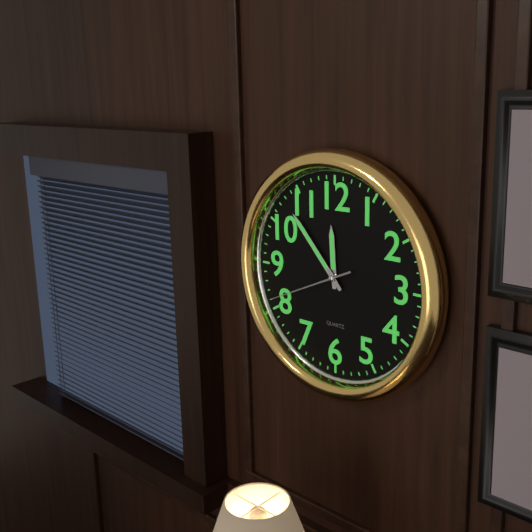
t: 11:53:41
